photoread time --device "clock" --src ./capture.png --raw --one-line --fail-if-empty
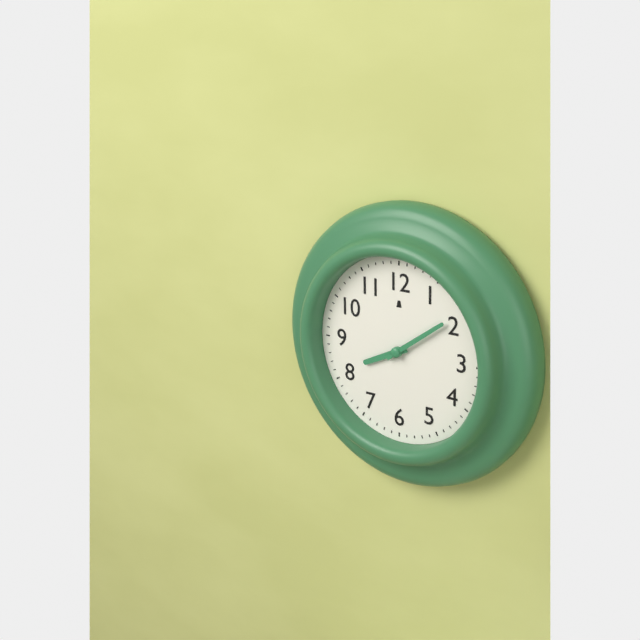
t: 8:09
